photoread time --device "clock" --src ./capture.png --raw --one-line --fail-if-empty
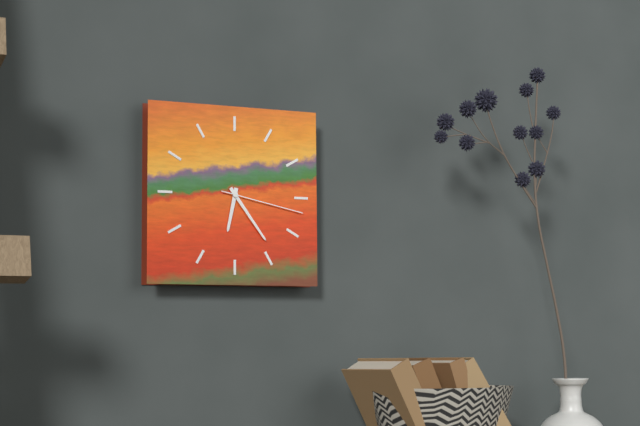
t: 6:24:17
